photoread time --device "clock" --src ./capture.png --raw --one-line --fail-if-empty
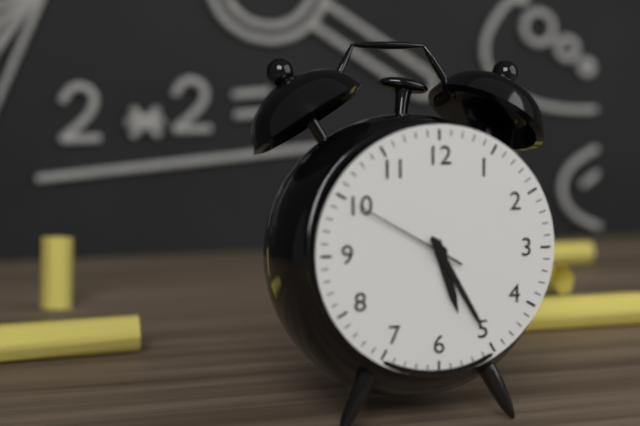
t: 5:25:50
